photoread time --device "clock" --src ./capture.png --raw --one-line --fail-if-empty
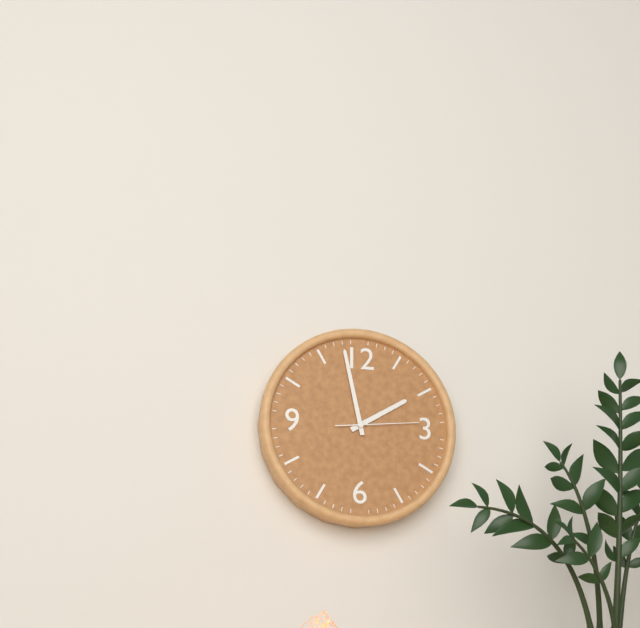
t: 1:58:14
